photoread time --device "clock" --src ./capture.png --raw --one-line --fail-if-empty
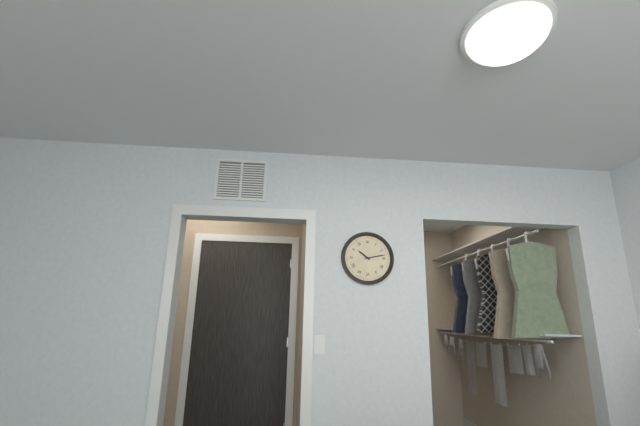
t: 10:13
